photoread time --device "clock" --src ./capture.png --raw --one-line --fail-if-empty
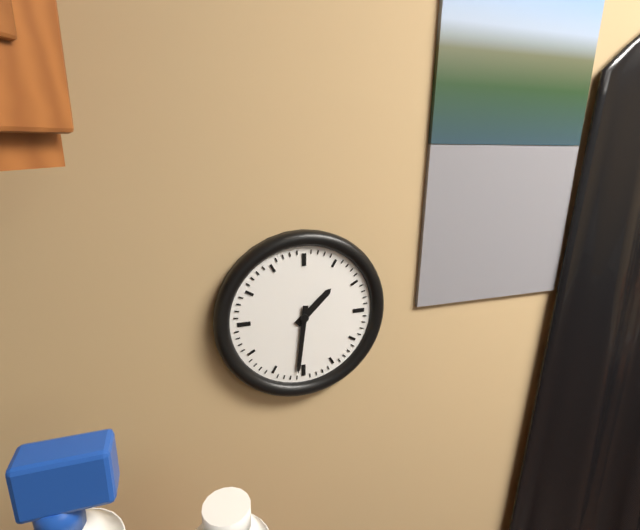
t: 1:31
